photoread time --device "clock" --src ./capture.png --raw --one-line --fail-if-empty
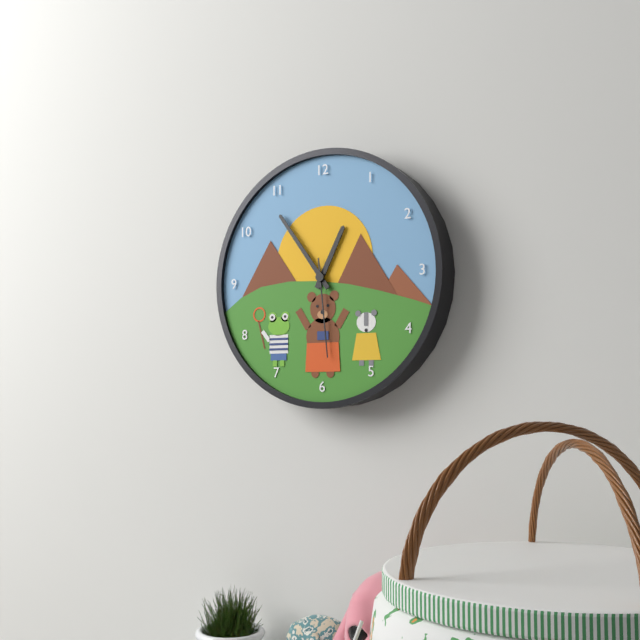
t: 12:54:29
